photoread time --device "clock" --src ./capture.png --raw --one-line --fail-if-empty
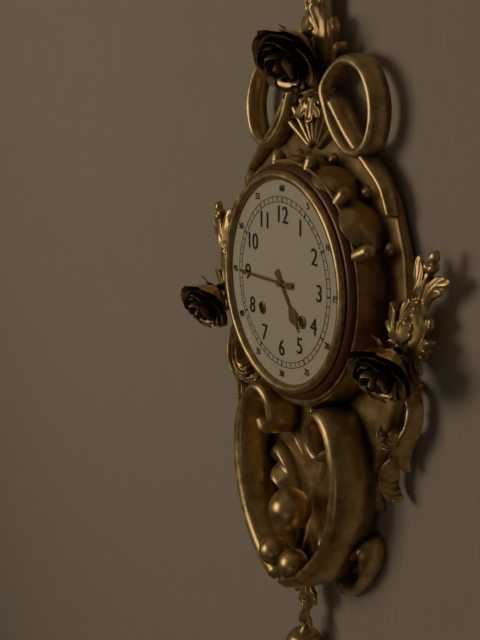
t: 4:45
